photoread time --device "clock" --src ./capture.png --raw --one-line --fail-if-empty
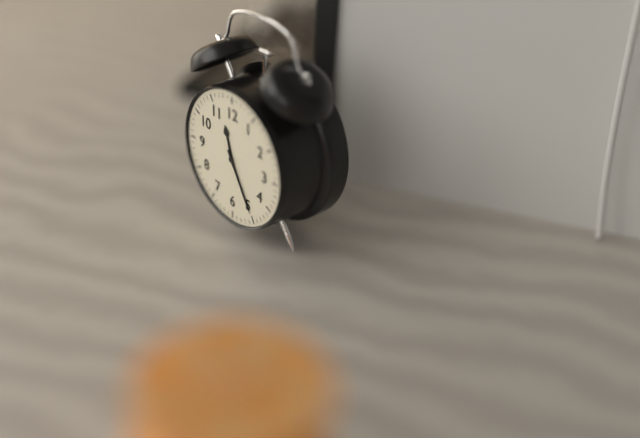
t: 11:25
